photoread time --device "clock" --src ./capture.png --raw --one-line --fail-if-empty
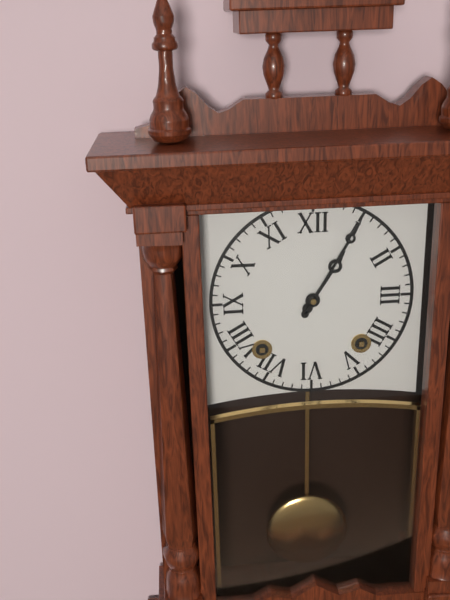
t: 1:05
